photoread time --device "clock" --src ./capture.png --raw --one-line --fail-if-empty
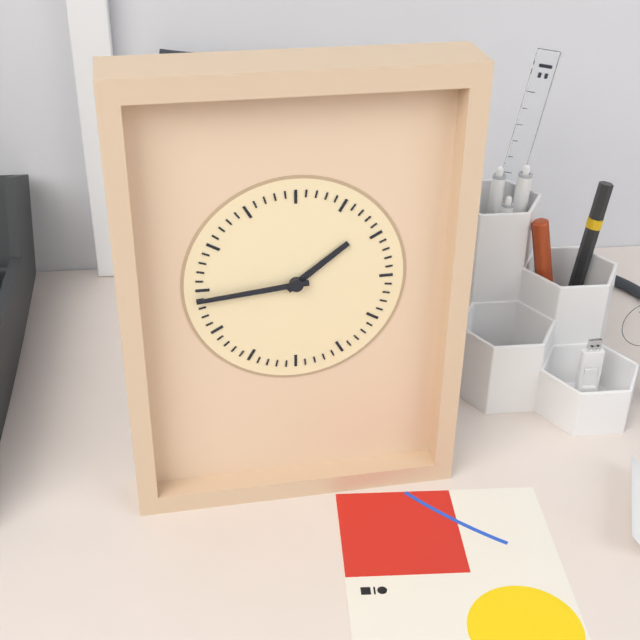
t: 1:44
